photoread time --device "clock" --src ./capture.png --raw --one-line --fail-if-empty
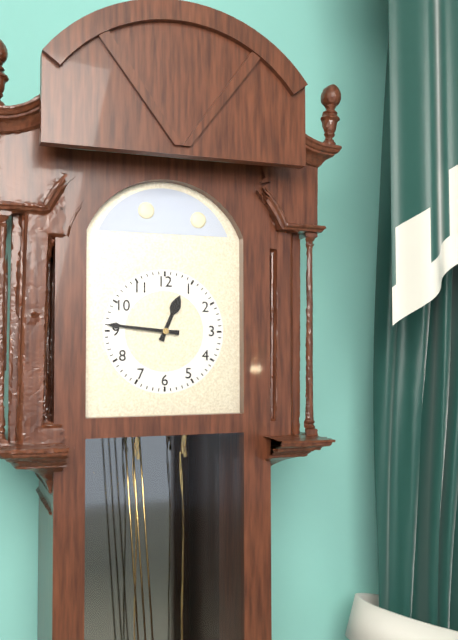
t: 12:46
